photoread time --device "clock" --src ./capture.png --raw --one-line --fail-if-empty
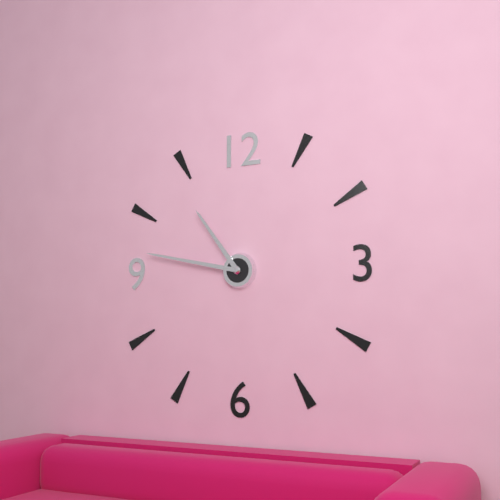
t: 10:47
